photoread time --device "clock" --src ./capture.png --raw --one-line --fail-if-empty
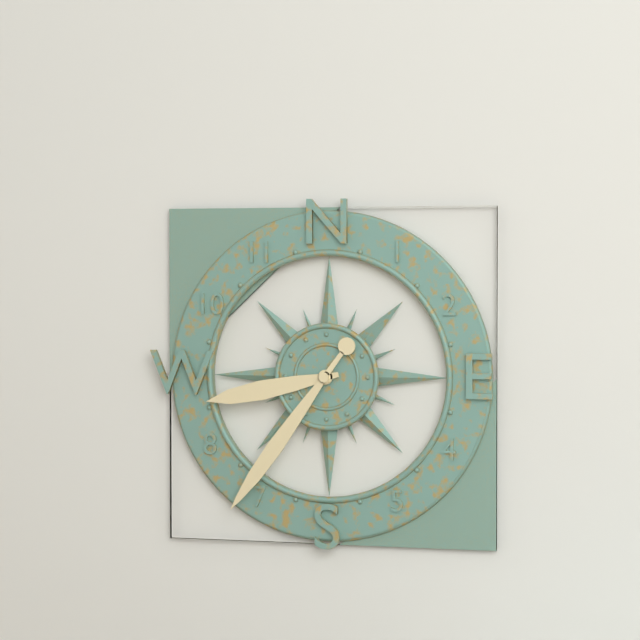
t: 8:36
